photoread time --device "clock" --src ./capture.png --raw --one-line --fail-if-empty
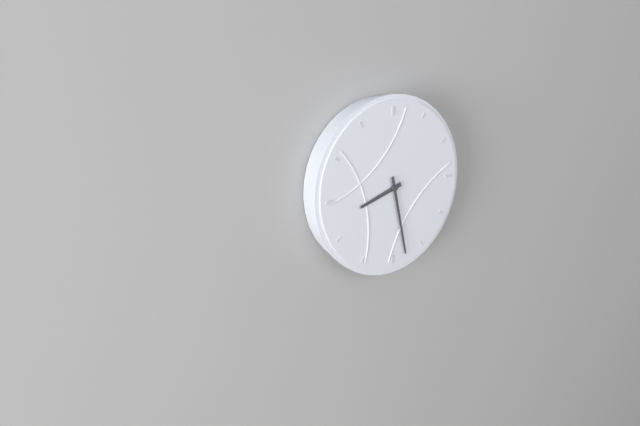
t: 8:28
